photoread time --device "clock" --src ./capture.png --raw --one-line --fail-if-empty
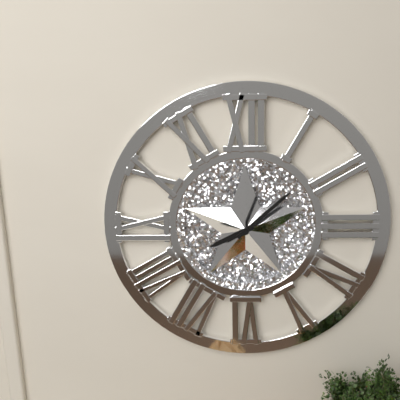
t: 8:08
